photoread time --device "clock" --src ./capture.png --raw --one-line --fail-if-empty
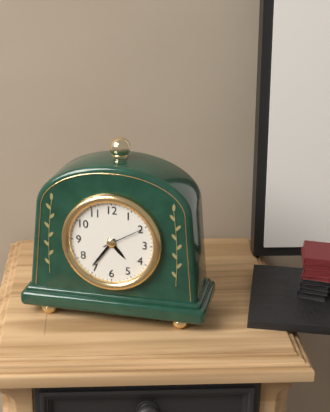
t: 4:36
